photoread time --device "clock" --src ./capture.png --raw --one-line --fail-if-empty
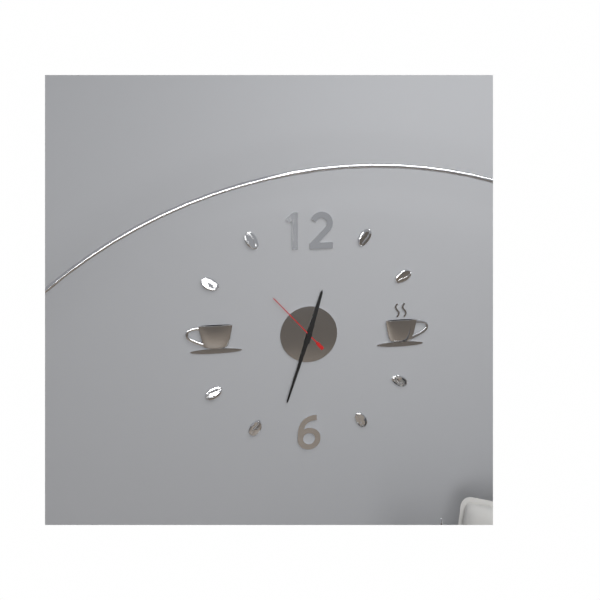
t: 12:33:53
